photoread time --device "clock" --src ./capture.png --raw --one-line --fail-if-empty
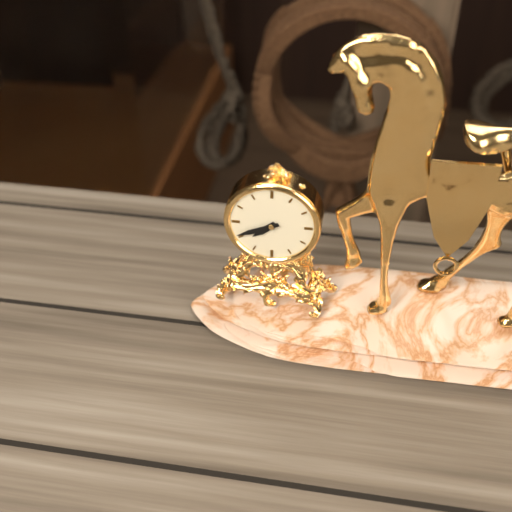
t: 7:41
